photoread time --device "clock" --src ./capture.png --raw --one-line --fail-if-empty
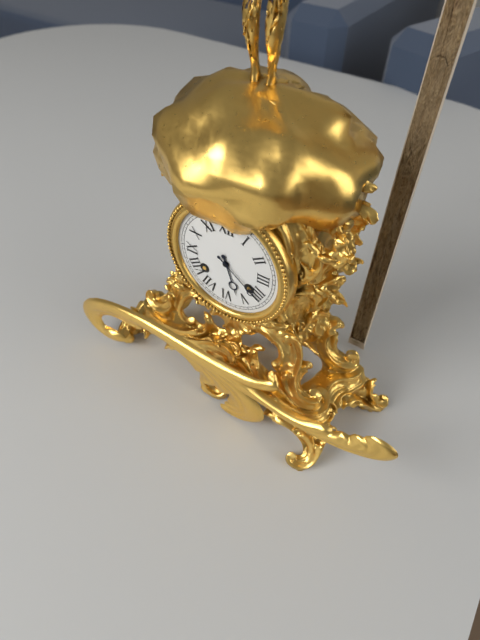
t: 5:21
